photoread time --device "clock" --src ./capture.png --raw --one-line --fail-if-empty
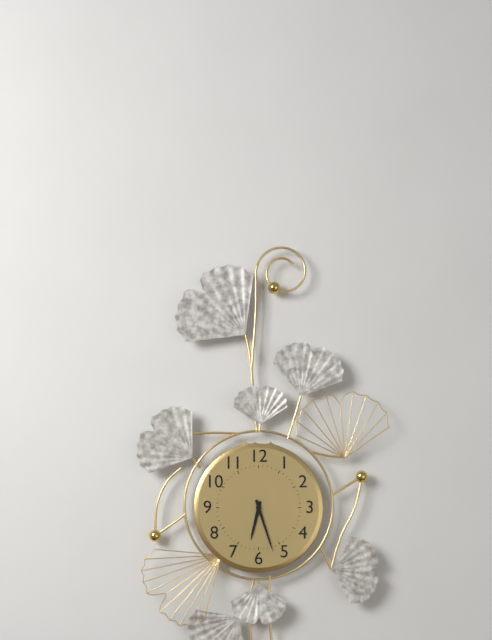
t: 6:27
